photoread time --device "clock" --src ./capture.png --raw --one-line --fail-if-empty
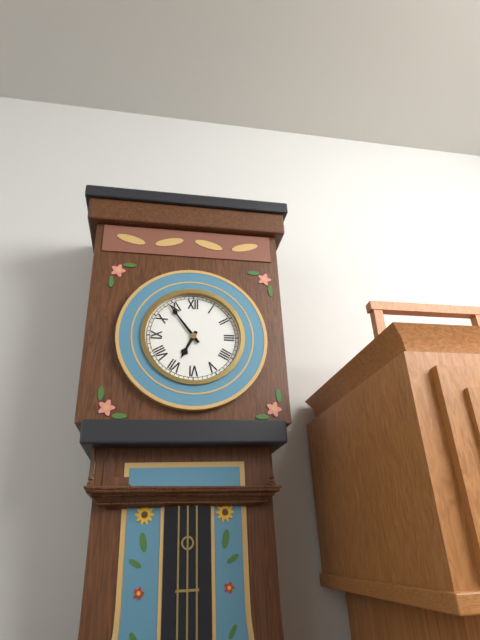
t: 6:54
